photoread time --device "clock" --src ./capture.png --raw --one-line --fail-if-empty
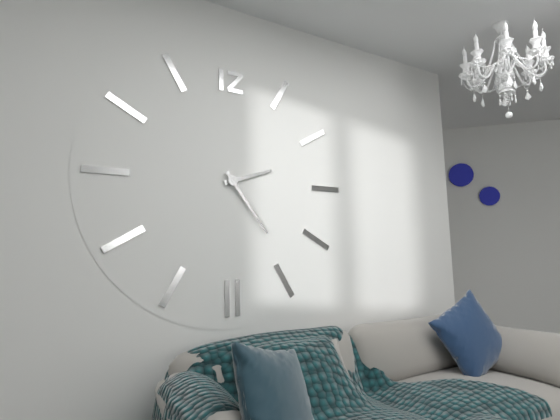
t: 2:24
